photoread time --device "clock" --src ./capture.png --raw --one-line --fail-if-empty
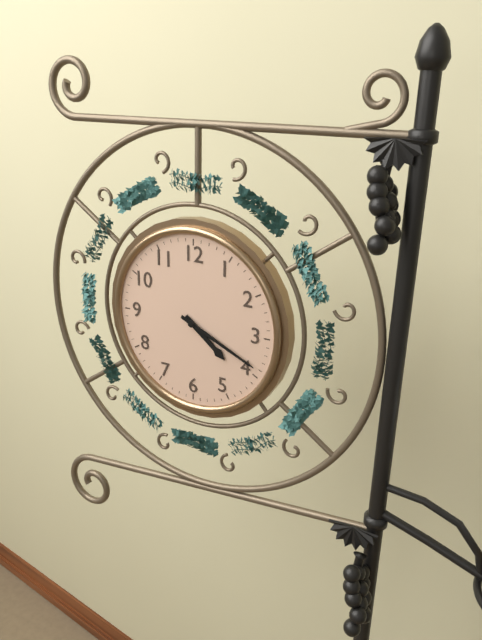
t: 4:19
